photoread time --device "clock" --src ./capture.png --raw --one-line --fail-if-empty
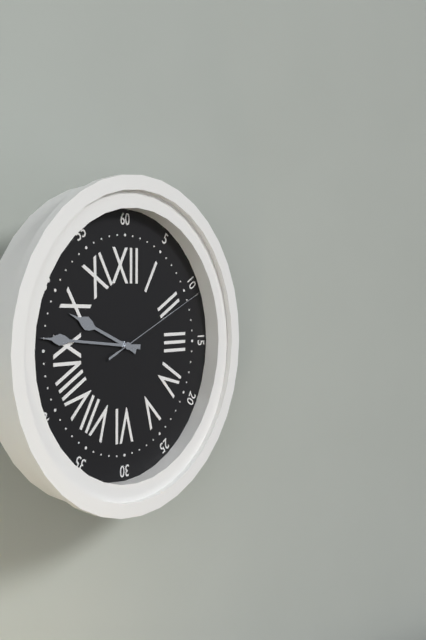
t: 9:46:11
